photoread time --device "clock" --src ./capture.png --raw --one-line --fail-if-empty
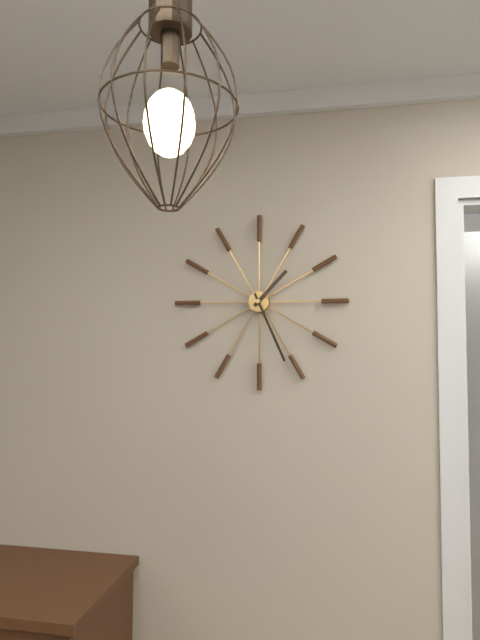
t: 1:26
